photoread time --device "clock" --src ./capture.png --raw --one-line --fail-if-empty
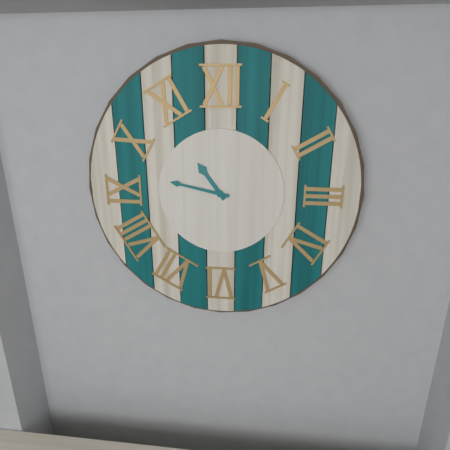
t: 10:47
